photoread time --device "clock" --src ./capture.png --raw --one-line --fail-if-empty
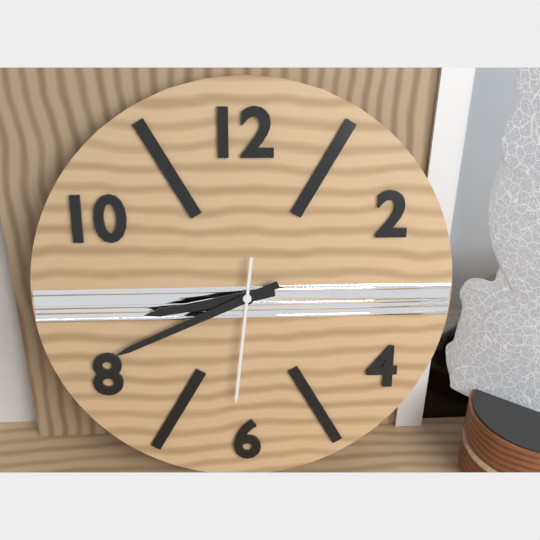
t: 8:41:31
